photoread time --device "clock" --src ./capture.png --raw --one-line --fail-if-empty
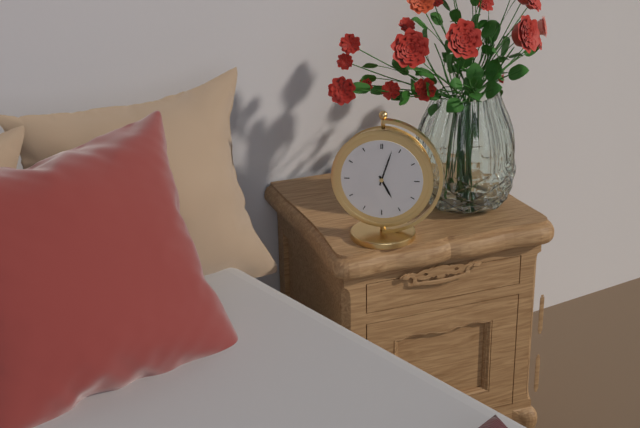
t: 5:03
